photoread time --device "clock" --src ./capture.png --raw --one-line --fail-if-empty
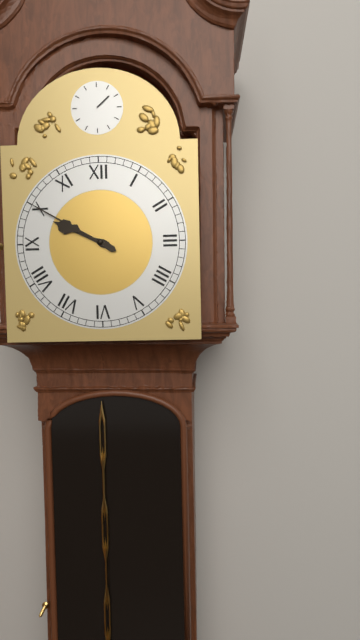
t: 9:50
